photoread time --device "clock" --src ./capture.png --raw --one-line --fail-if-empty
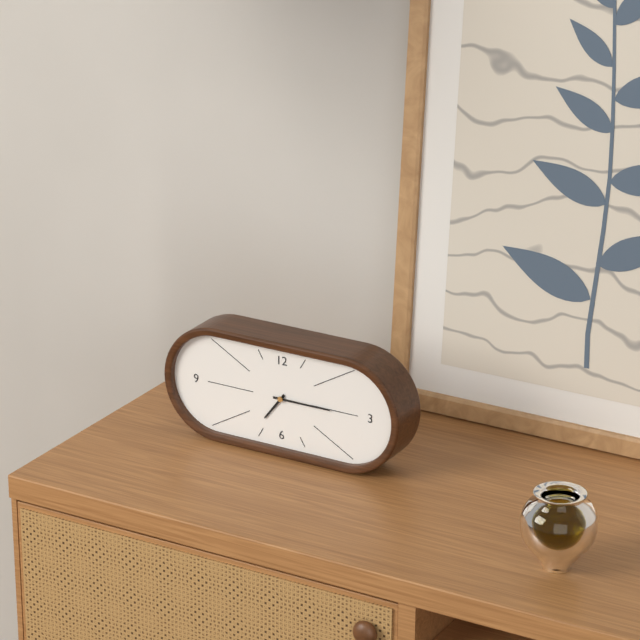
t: 7:15
